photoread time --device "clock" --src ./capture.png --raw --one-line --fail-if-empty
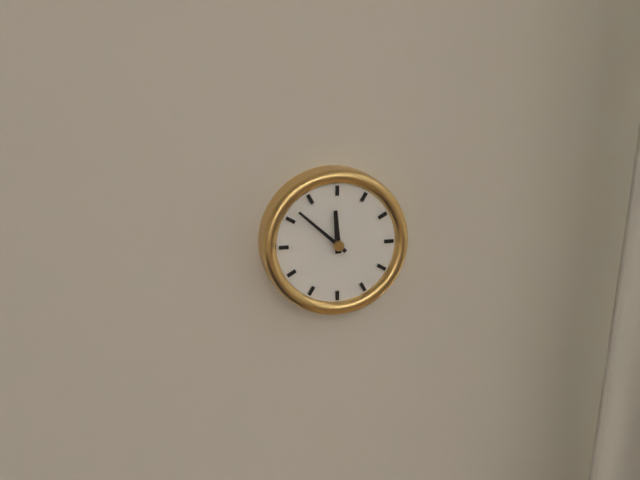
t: 11:52
